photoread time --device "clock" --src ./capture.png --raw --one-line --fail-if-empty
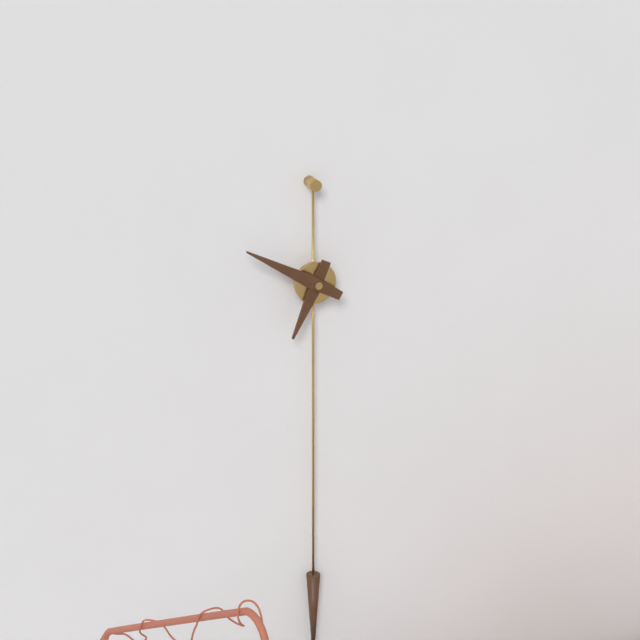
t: 6:50
